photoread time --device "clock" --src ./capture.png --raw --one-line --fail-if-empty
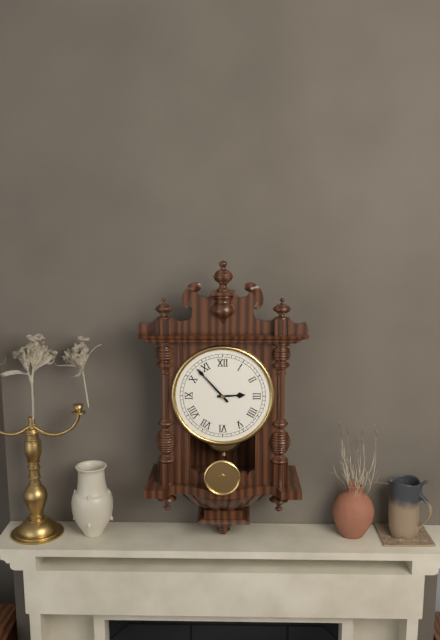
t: 2:53
